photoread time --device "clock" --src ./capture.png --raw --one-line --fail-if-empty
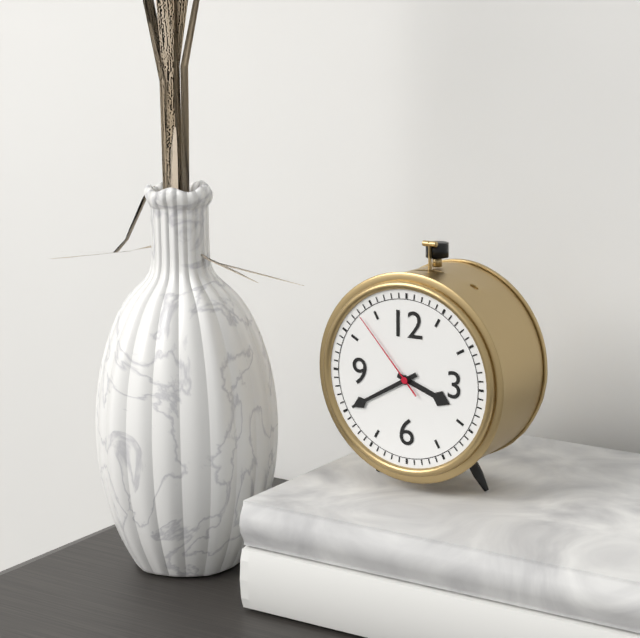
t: 3:40:53
